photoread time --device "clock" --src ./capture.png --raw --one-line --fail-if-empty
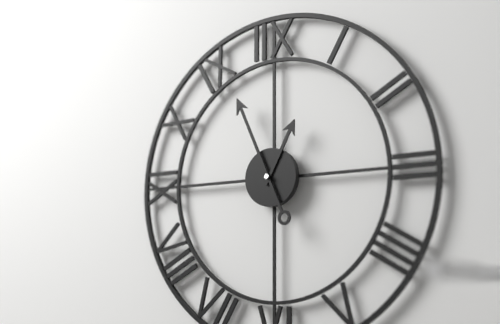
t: 12:56
